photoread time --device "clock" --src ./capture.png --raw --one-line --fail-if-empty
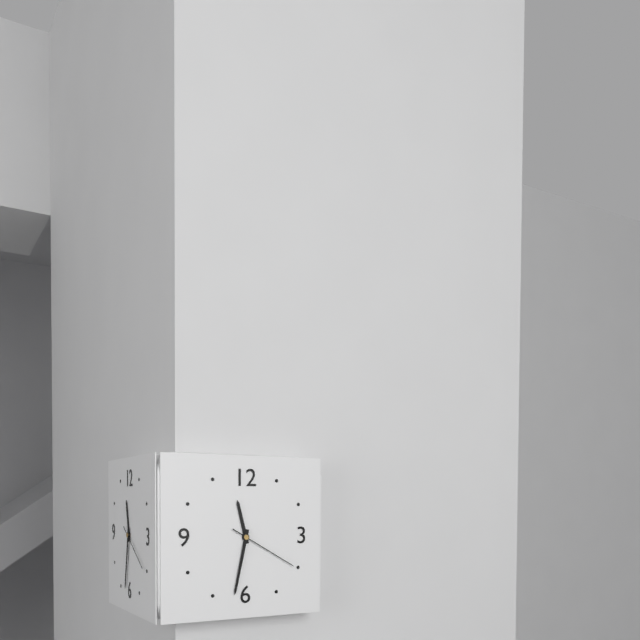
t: 11:32:20
